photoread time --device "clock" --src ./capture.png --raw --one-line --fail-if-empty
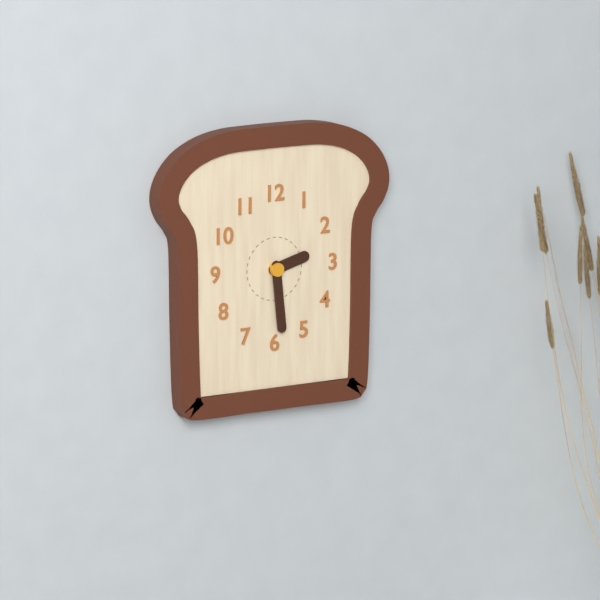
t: 2:29
